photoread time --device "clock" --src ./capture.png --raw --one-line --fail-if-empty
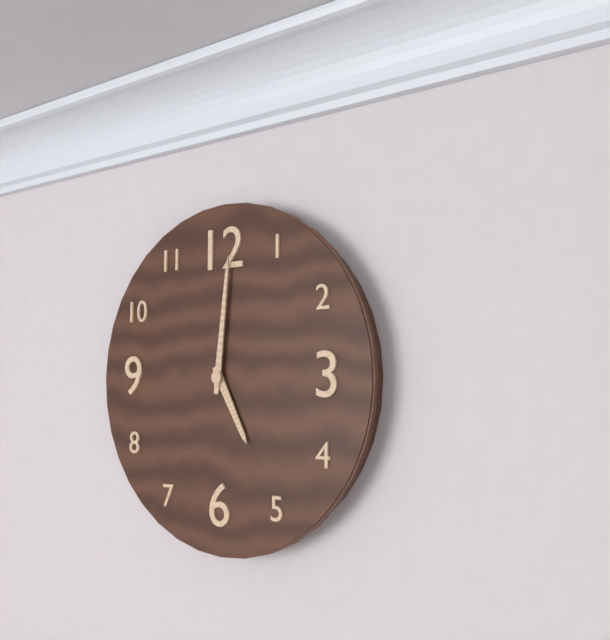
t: 5:01
